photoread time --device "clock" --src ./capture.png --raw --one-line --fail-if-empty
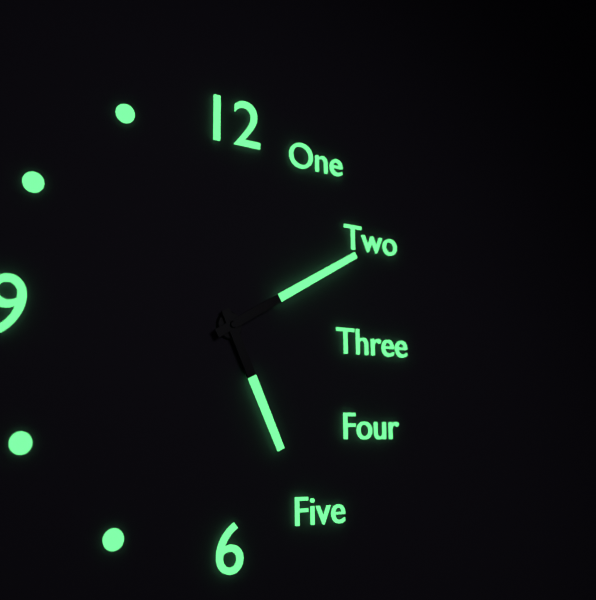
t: 5:10
